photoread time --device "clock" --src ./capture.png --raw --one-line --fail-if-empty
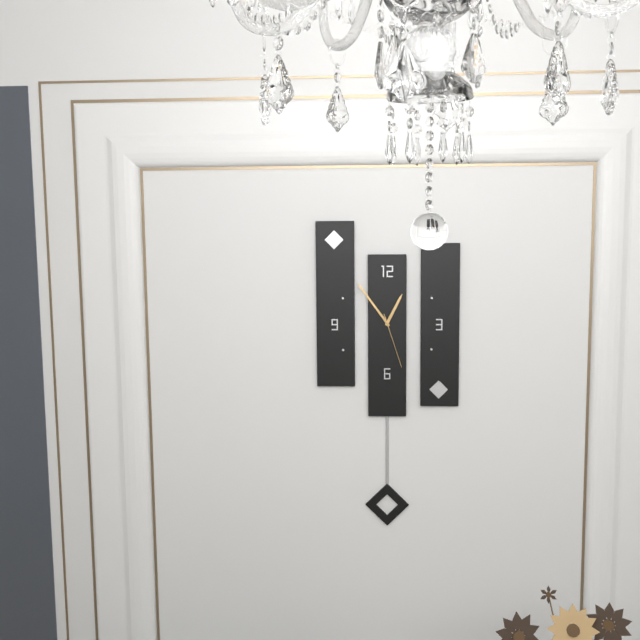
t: 12:54:27
